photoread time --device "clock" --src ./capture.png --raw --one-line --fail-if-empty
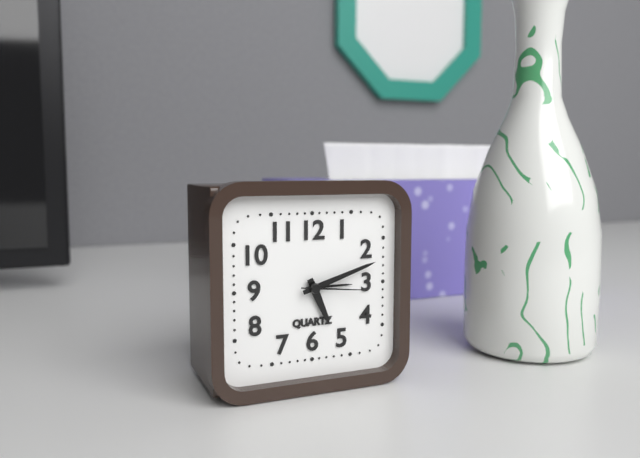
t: 5:12:16
